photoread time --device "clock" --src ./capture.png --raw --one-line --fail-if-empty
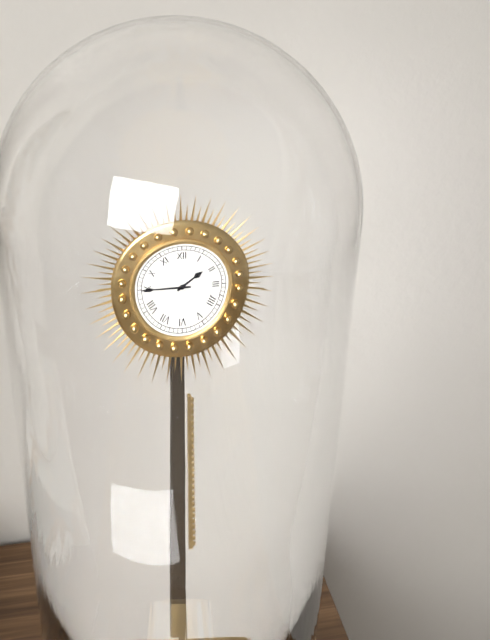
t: 1:45
